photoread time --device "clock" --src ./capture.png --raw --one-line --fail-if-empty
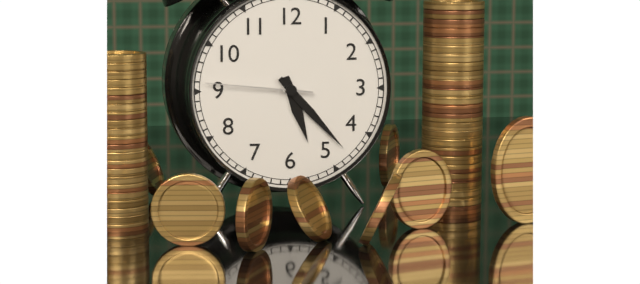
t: 5:23:46
